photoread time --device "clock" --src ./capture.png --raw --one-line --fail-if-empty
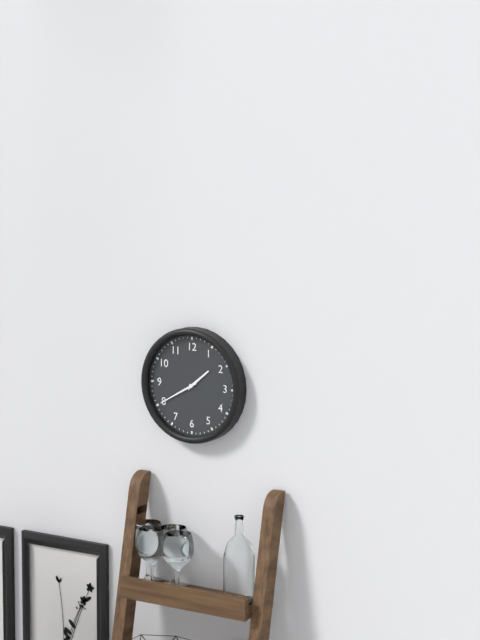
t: 1:40
